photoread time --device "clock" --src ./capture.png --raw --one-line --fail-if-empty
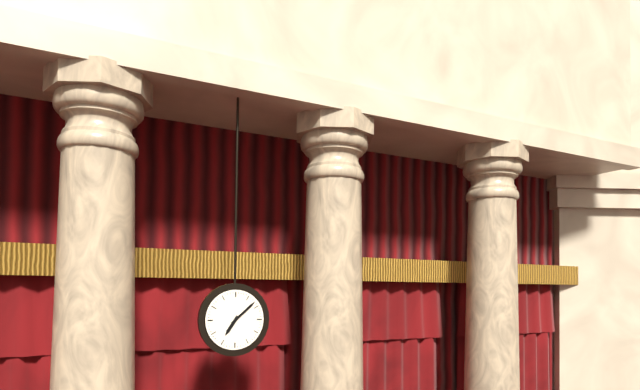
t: 7:08
